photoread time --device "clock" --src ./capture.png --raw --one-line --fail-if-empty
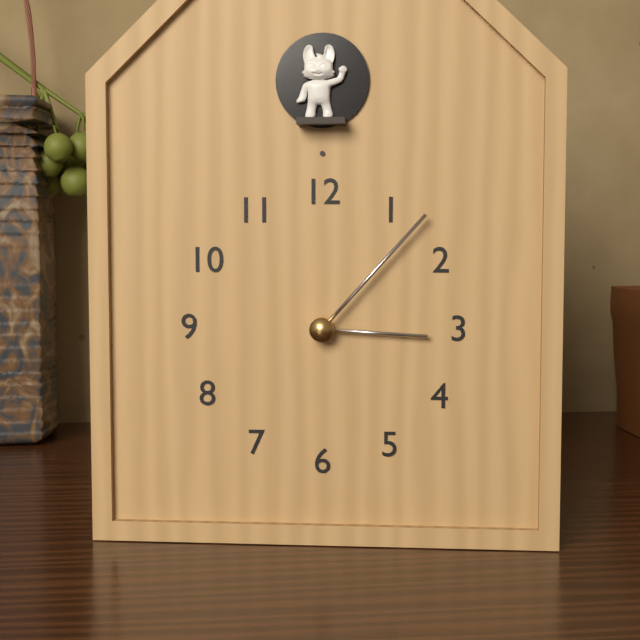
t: 3:07
